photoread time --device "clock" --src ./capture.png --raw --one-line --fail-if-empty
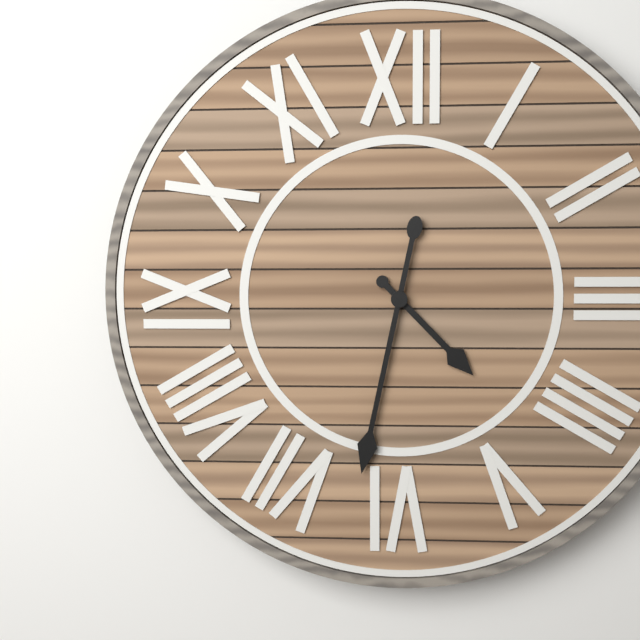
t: 4:32
